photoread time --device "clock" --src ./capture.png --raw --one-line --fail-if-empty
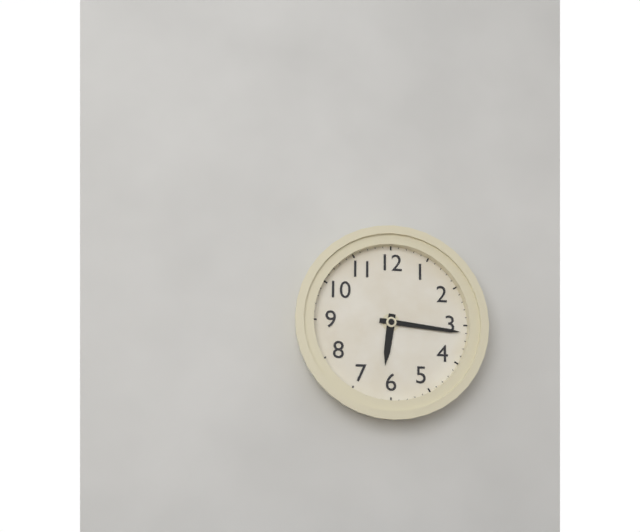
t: 6:16
